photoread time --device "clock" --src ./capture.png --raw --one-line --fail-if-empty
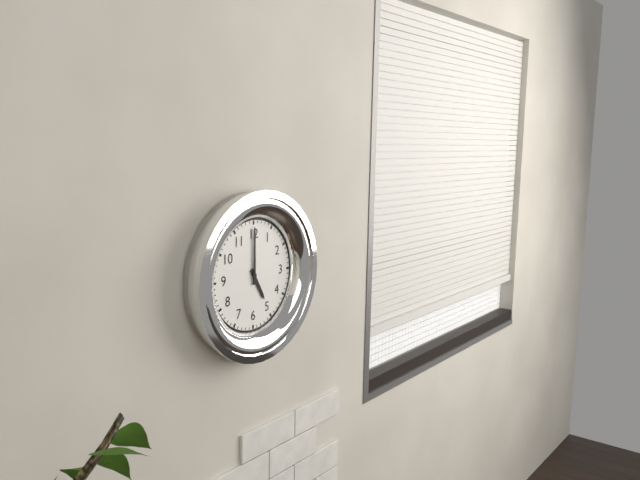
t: 5:00
